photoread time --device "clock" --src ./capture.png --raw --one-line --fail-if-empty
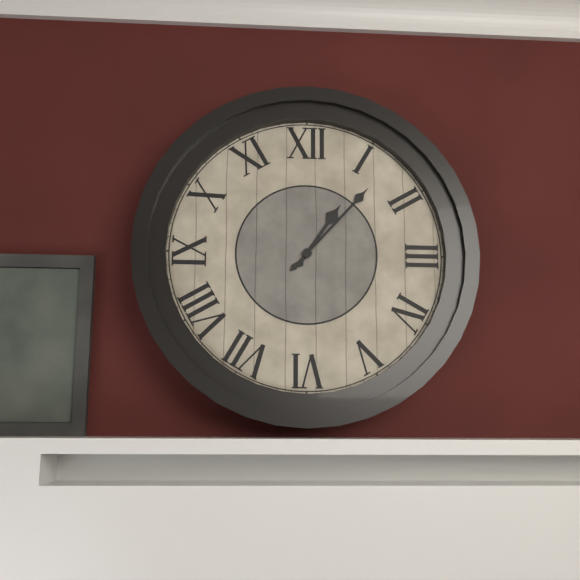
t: 1:07
